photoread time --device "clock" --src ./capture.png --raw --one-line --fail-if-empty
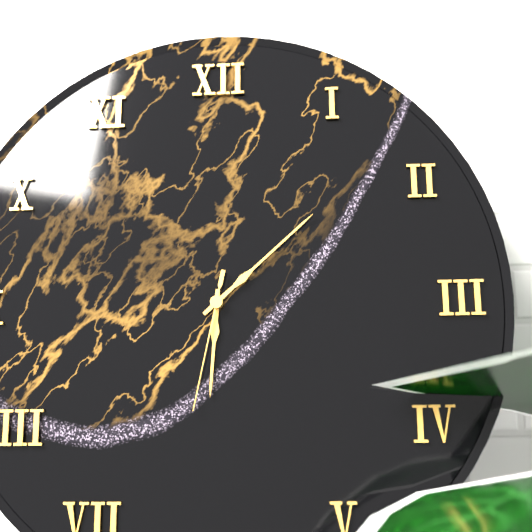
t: 6:08:32
